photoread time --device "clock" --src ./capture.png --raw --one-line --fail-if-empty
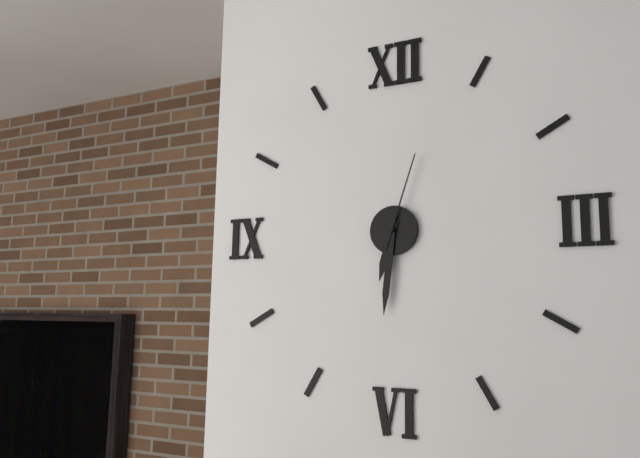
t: 6:31:03
